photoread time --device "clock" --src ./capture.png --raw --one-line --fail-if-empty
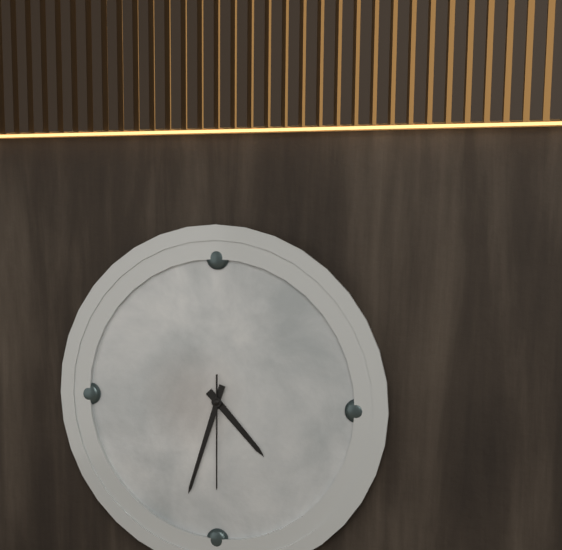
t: 4:33:30
